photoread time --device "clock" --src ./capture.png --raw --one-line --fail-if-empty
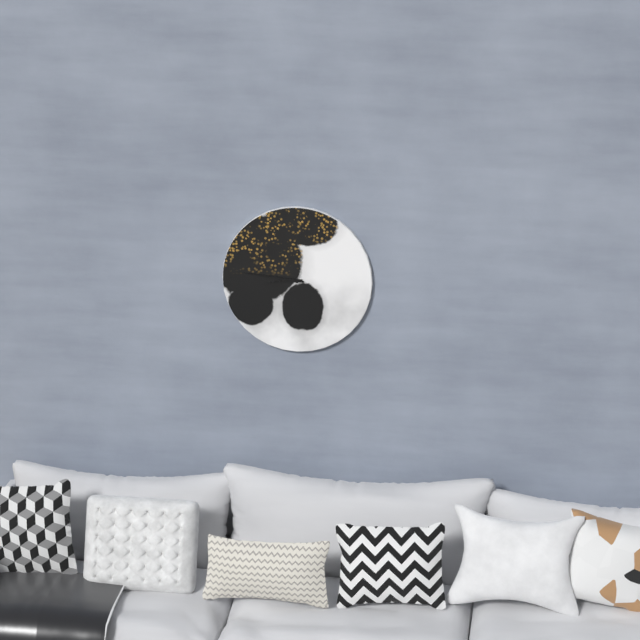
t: 8:46
